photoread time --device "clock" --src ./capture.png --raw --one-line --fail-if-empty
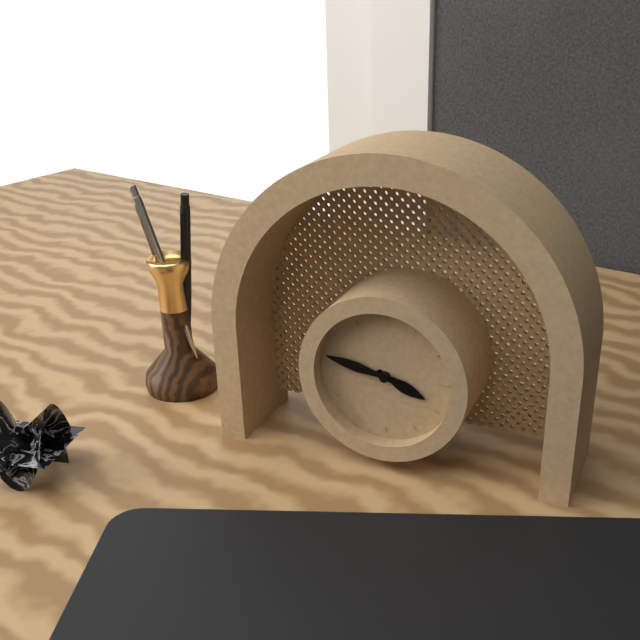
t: 3:47
